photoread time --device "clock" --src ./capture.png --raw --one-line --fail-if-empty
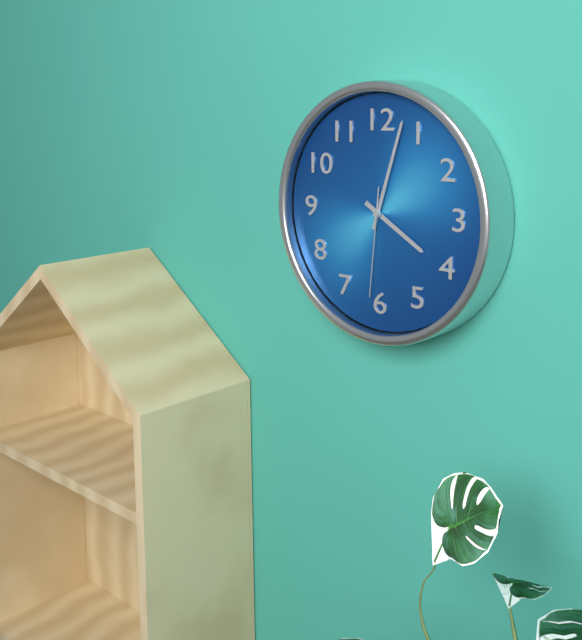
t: 4:03:31
